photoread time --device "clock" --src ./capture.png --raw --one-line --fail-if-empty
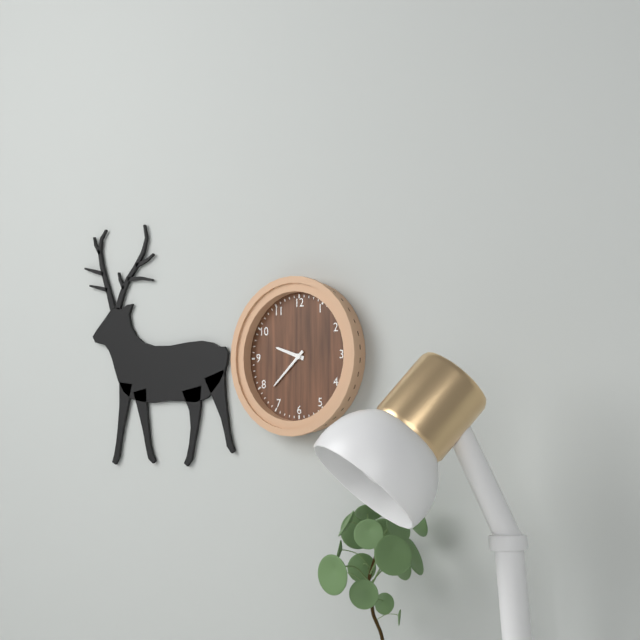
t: 9:38
